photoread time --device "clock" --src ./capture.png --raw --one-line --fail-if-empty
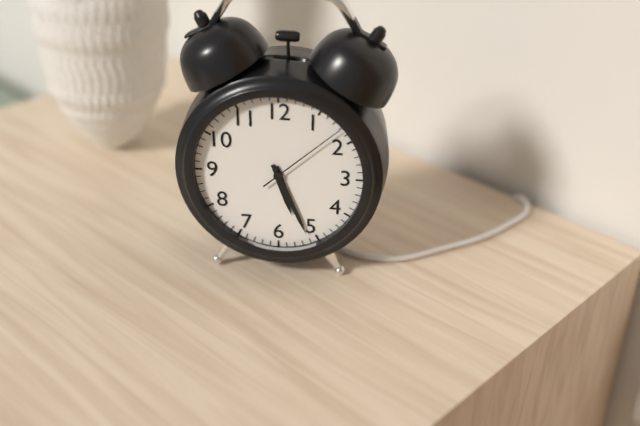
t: 5:26:08
